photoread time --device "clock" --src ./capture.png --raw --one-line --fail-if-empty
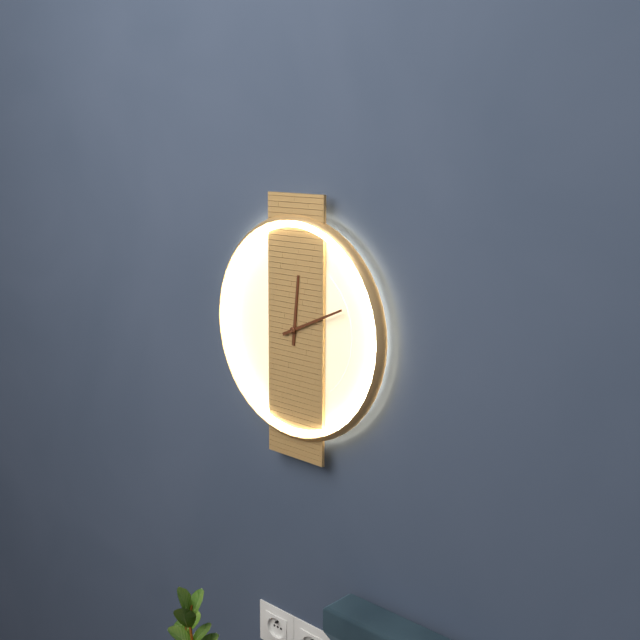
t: 12:11
